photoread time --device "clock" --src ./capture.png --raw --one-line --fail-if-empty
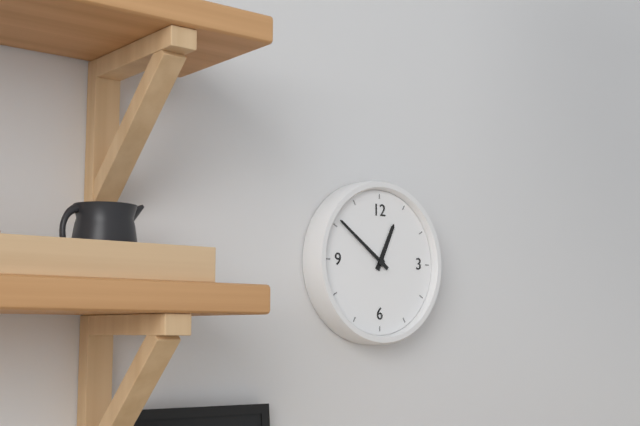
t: 12:51
